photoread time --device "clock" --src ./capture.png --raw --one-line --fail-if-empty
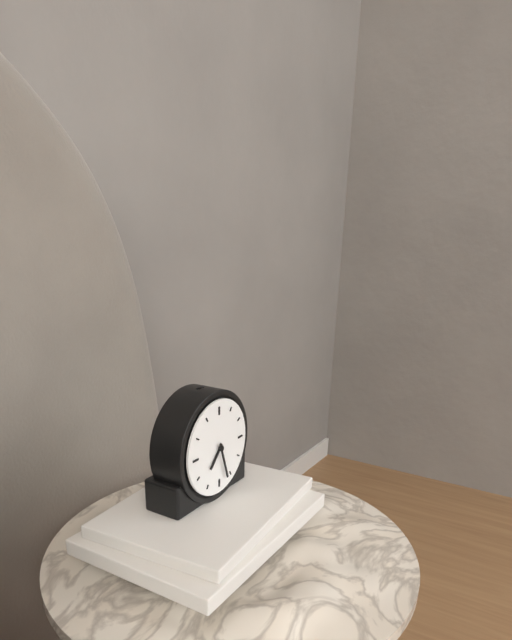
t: 7:27
